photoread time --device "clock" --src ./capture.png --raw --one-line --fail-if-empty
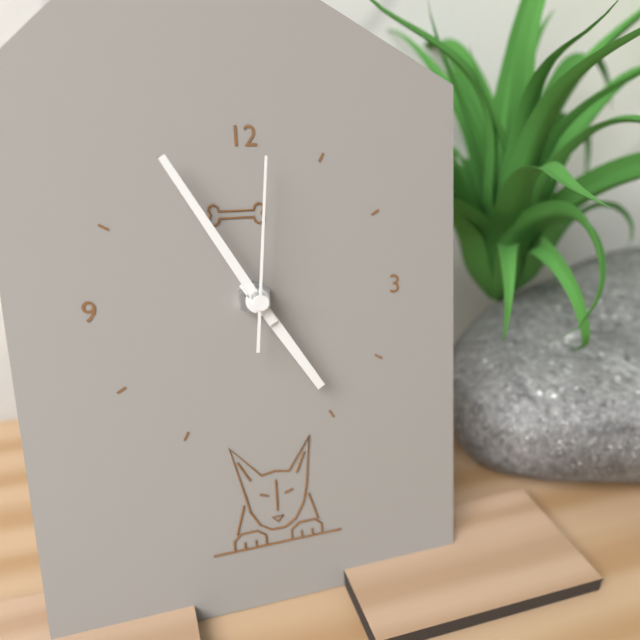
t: 4:55:01
